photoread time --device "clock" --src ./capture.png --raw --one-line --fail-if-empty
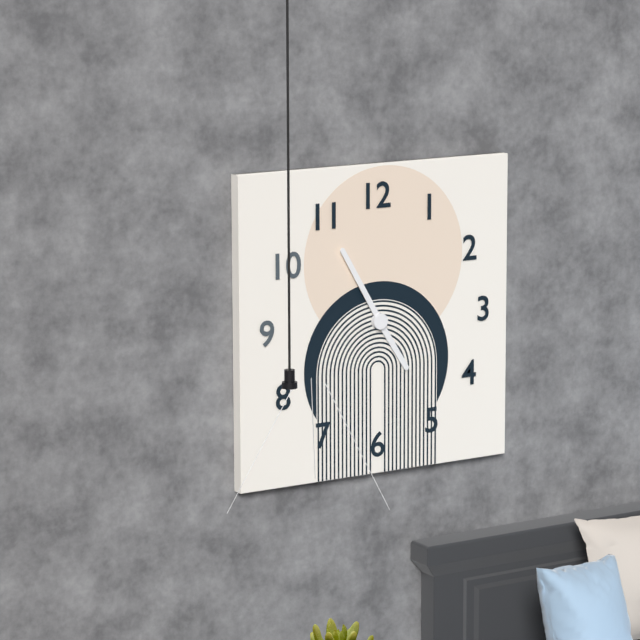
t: 4:55
